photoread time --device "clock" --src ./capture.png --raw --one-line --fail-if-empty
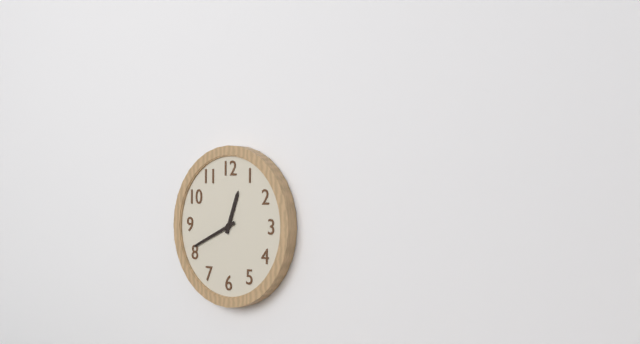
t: 12:41
